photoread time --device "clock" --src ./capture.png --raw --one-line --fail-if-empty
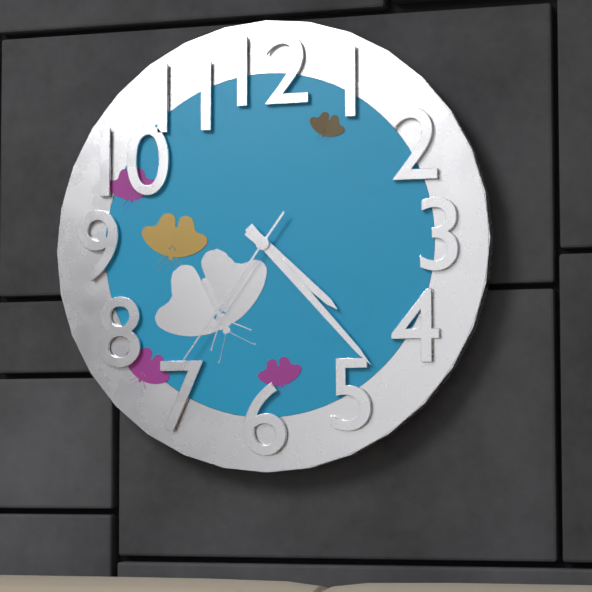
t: 4:23:36
